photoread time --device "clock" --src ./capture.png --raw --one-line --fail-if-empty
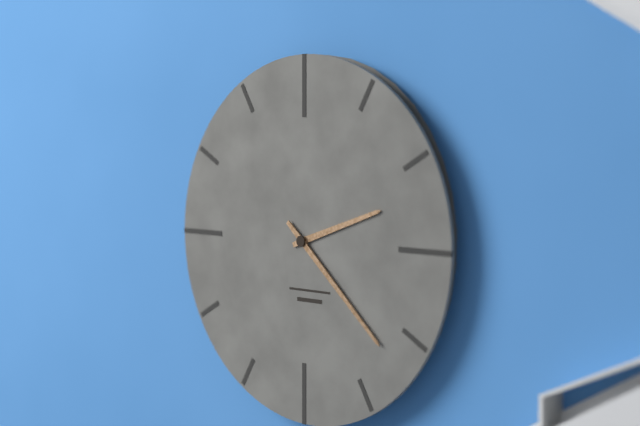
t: 2:22
